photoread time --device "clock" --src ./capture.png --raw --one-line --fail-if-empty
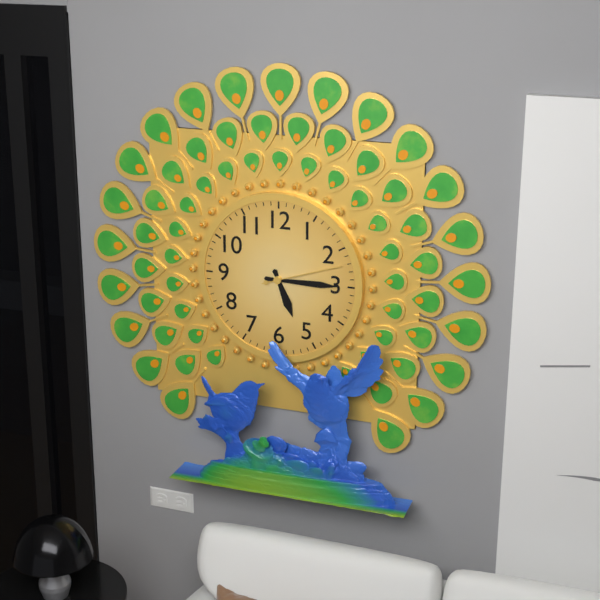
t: 5:15:12
